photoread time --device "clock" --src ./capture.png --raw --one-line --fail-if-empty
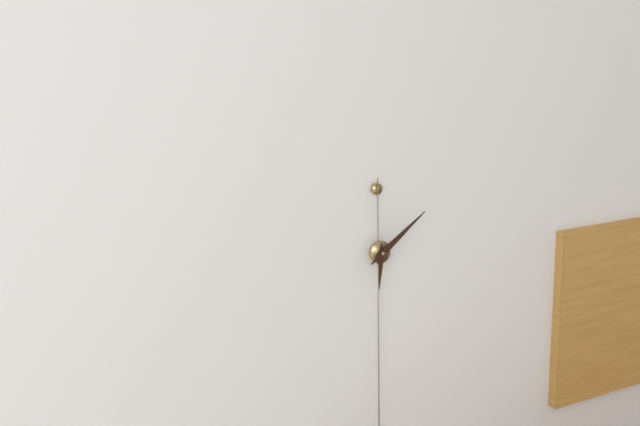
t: 6:09
